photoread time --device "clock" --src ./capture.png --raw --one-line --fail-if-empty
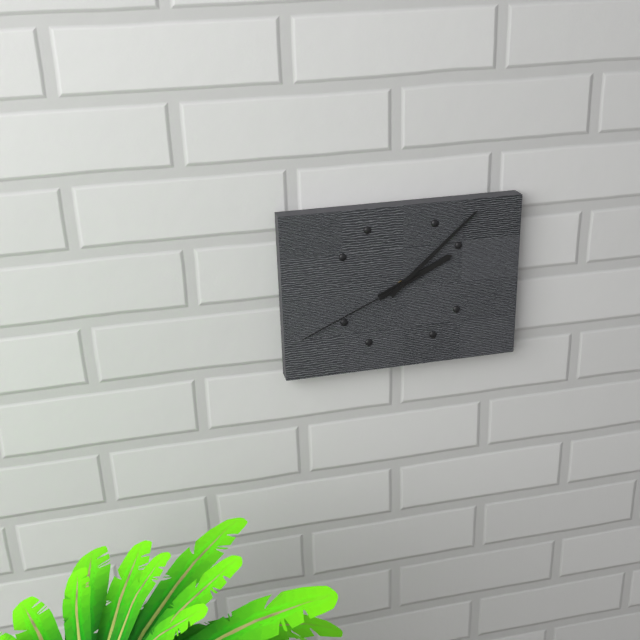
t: 2:08:41
